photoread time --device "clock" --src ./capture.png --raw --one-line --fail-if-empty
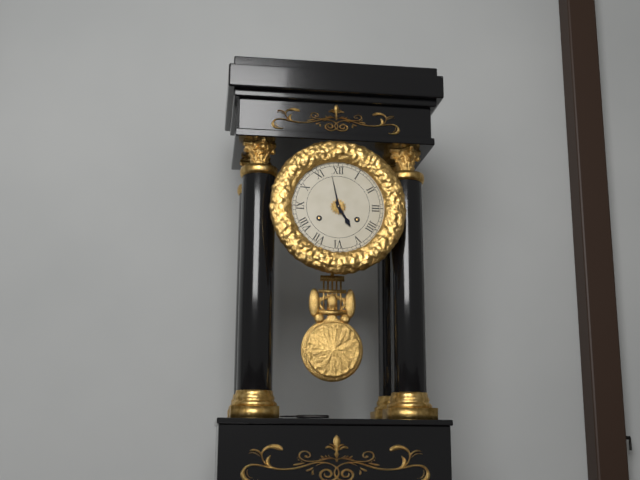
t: 4:58
